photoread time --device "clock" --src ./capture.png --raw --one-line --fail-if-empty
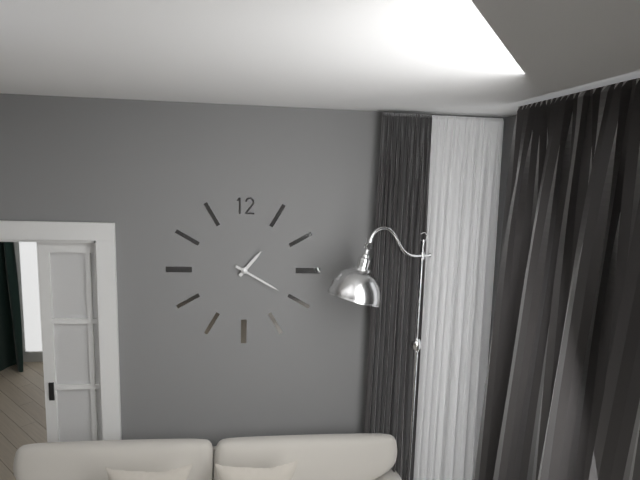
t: 1:20
